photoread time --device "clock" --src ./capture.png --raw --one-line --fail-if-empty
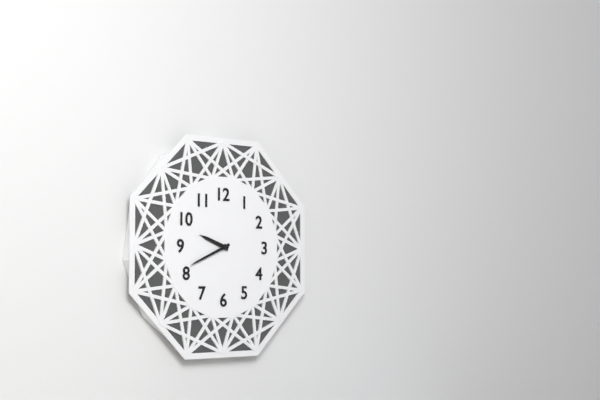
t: 9:41
